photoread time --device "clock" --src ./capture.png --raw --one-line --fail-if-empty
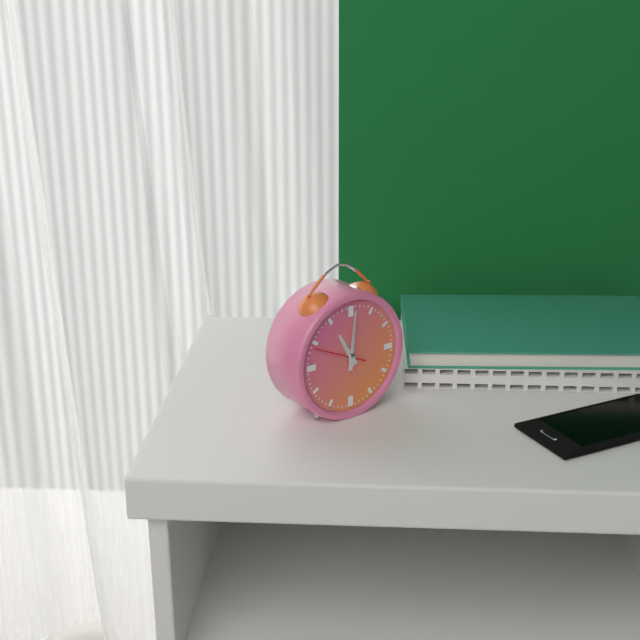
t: 11:01
